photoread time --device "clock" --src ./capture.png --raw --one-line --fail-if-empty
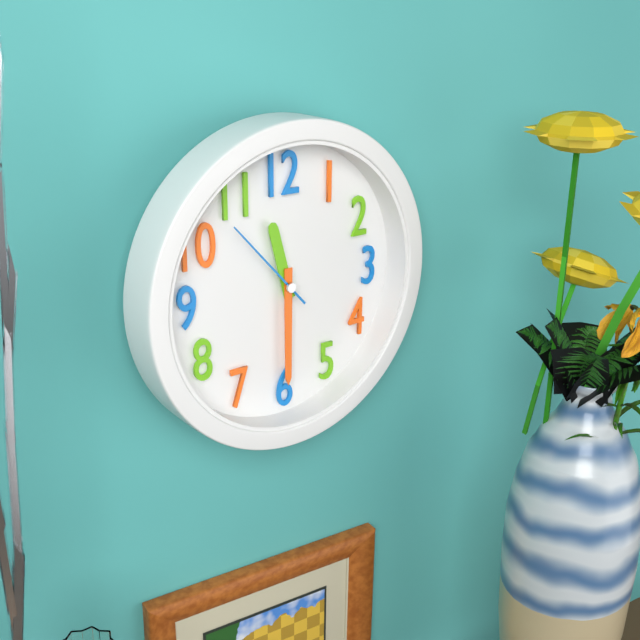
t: 11:30:53
